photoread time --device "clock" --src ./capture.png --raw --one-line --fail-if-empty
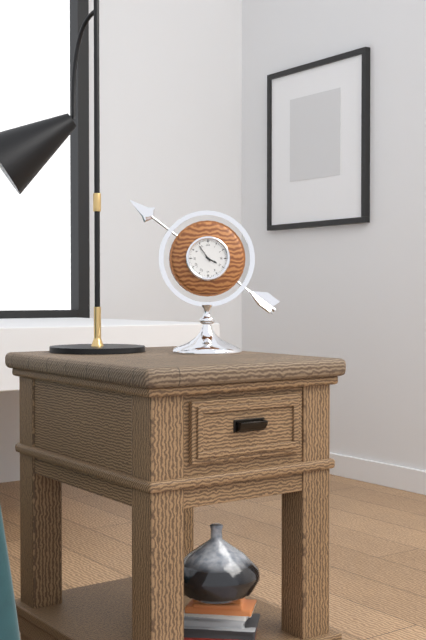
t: 3:54
